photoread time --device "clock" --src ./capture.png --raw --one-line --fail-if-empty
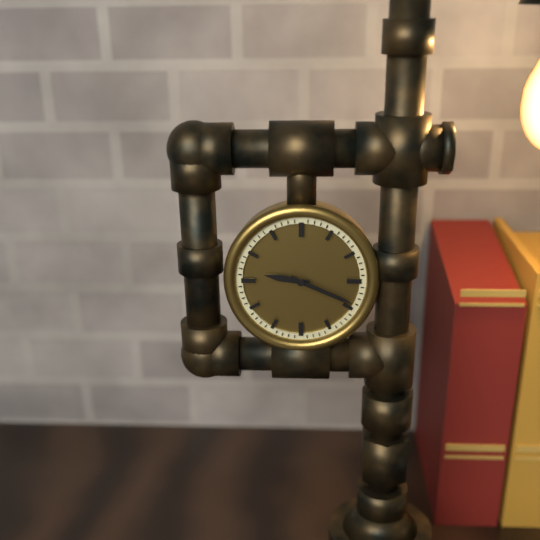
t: 9:19
